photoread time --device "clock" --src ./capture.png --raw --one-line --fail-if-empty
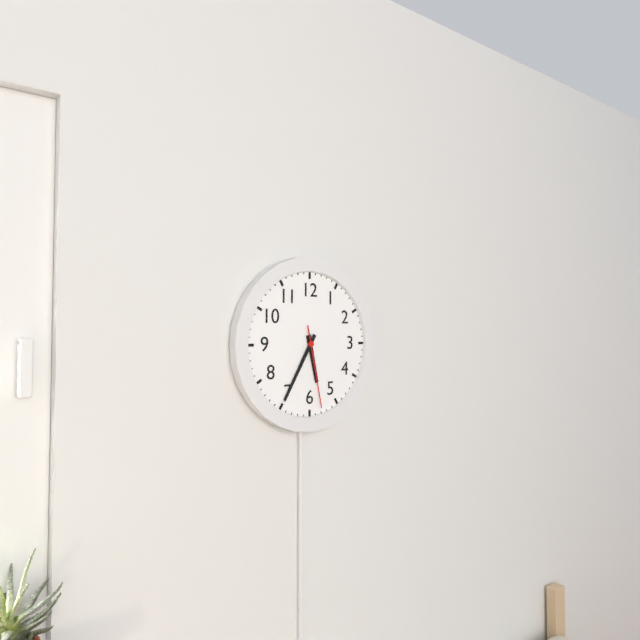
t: 5:35:28
